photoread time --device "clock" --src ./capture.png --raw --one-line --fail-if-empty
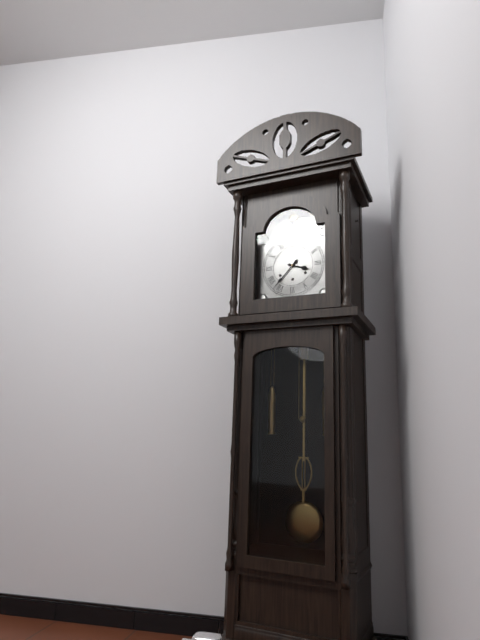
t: 3:37
